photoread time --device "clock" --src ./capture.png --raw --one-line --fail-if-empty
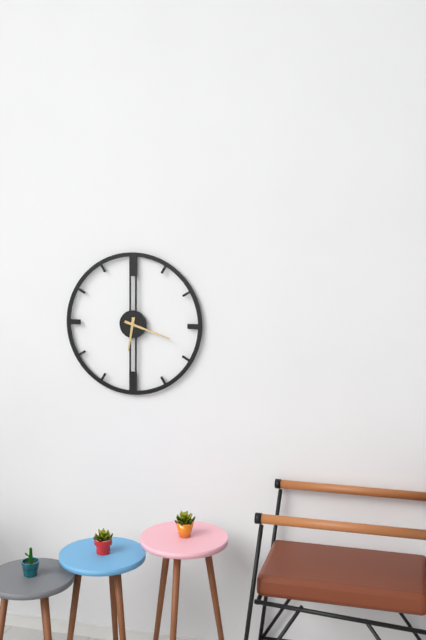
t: 6:18
